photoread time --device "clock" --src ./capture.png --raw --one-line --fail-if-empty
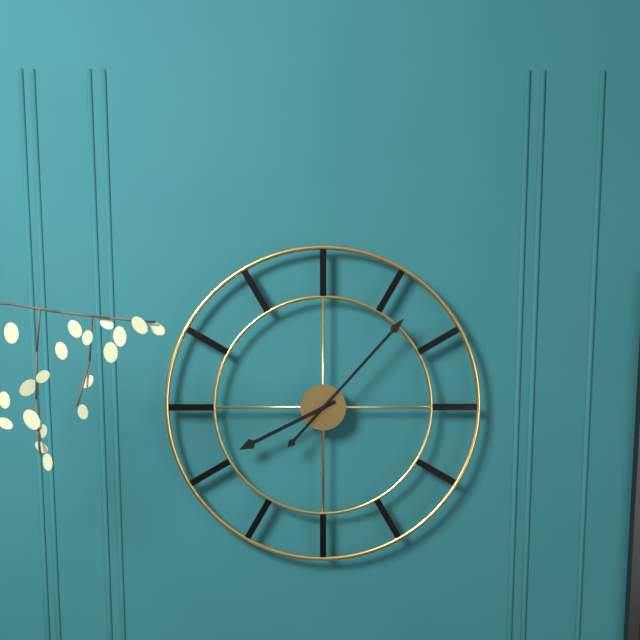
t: 8:07
